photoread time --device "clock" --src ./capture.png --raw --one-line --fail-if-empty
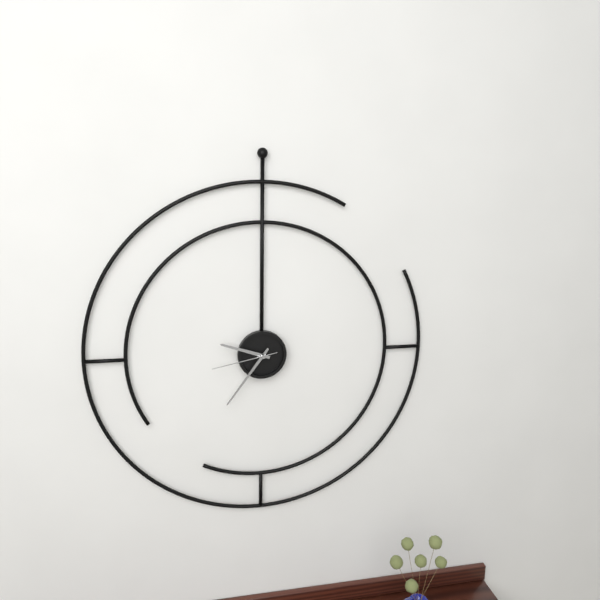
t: 9:36:43
